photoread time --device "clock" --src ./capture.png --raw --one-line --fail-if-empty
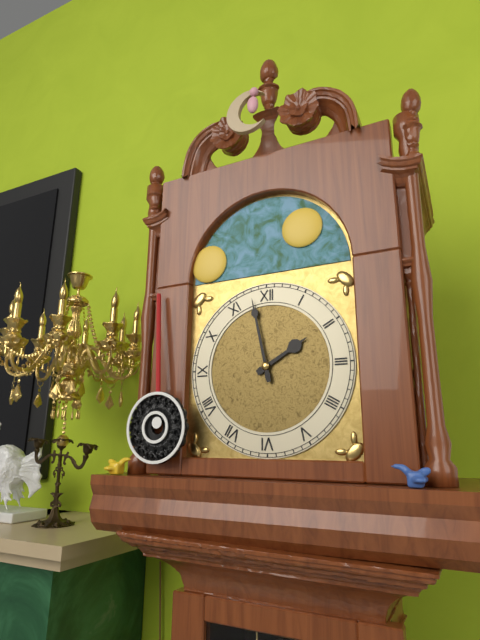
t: 1:58
